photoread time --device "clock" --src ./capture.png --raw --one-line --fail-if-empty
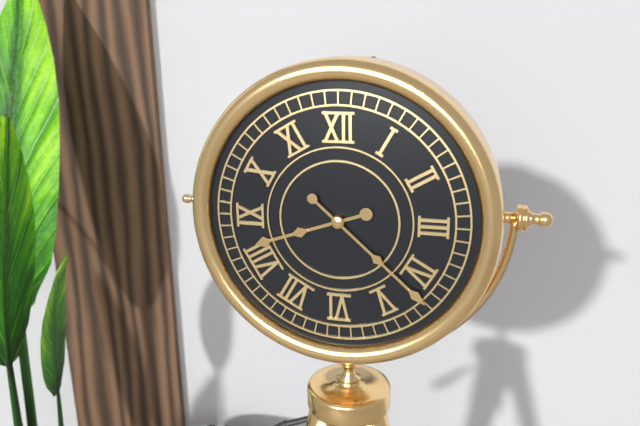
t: 8:22
